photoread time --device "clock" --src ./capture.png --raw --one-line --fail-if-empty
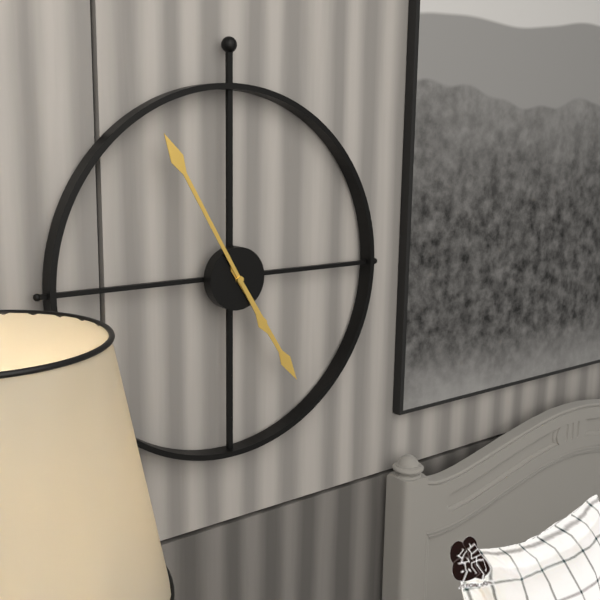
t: 4:55
